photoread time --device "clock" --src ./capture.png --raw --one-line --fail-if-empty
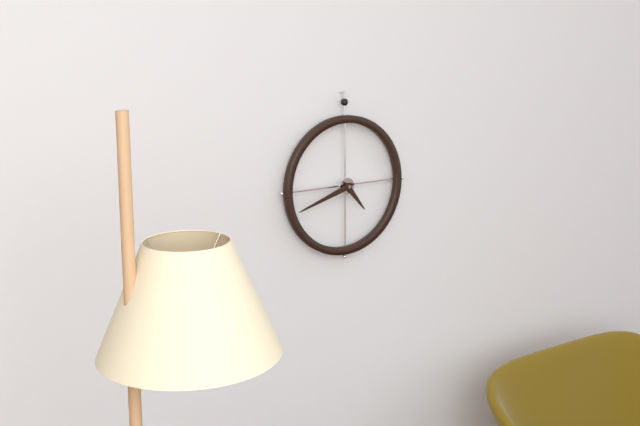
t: 4:42
